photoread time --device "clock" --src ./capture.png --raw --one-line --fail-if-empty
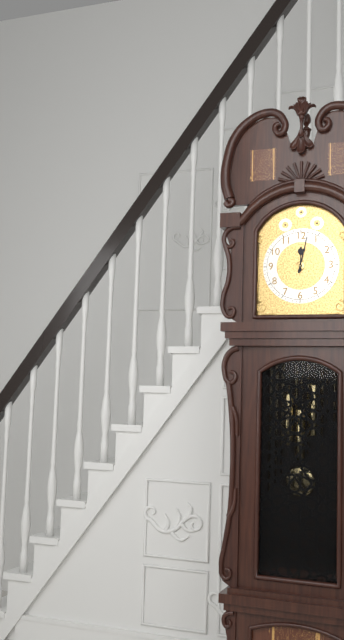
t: 12:02
